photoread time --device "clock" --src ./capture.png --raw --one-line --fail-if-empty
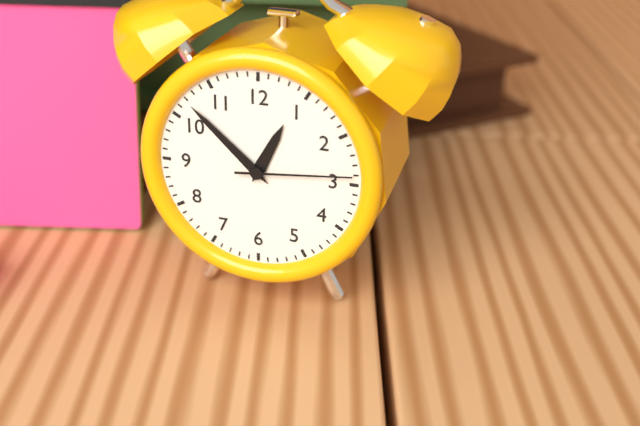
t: 12:52:14
